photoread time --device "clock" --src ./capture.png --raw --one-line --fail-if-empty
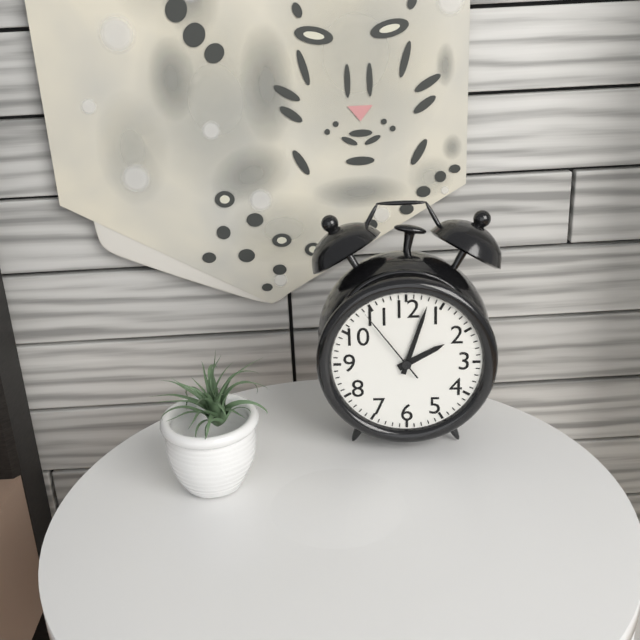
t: 2:03:54
